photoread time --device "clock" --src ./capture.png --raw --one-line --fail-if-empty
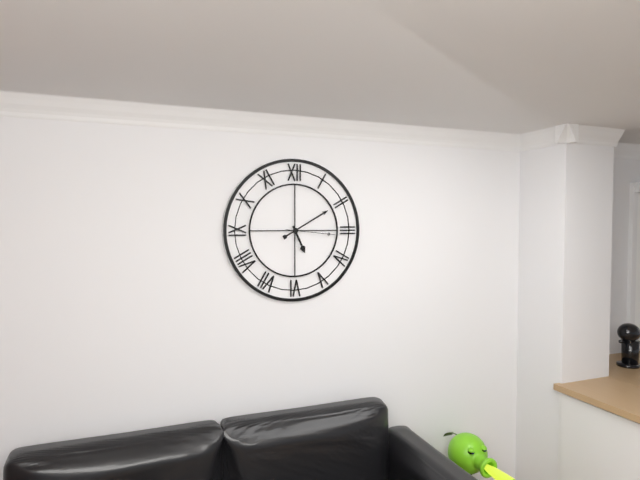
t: 5:10:16
